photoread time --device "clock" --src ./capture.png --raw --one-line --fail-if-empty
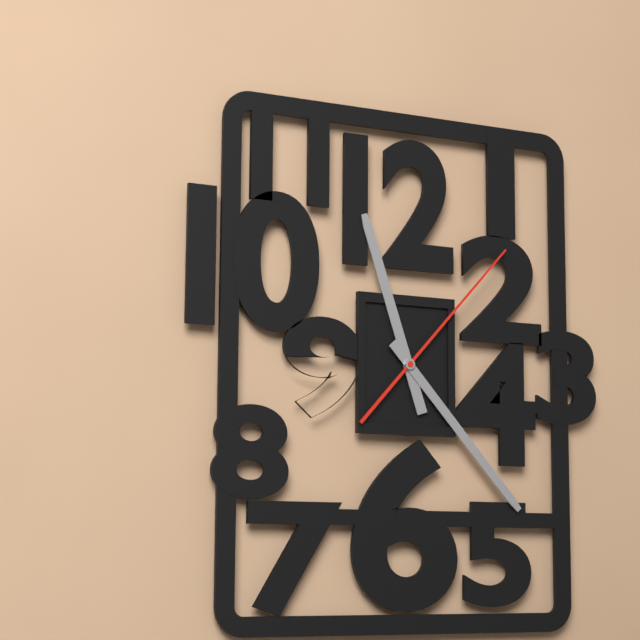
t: 11:23:07
